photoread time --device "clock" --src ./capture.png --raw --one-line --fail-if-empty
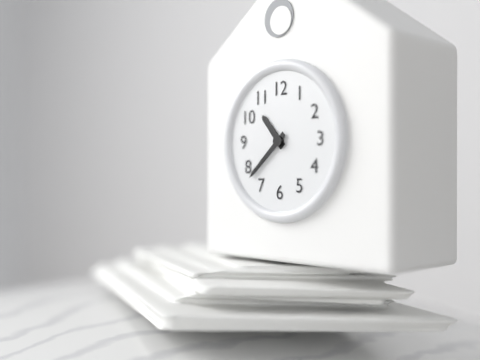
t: 10:38
